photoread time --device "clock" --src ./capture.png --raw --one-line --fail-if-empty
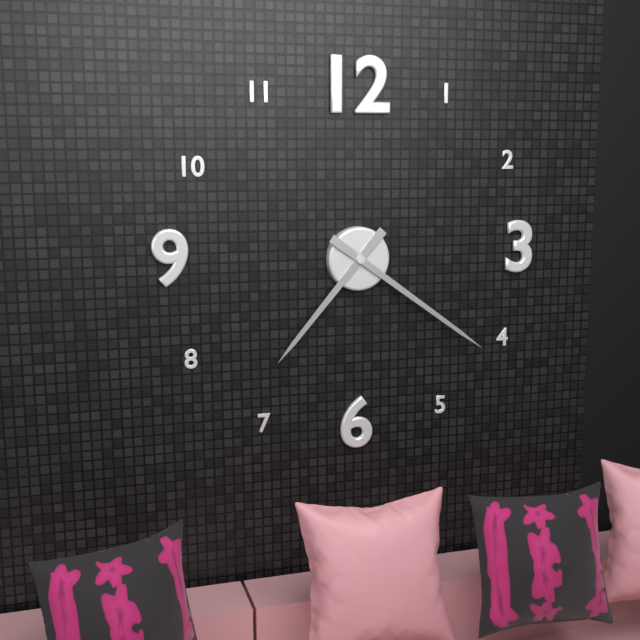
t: 7:21
